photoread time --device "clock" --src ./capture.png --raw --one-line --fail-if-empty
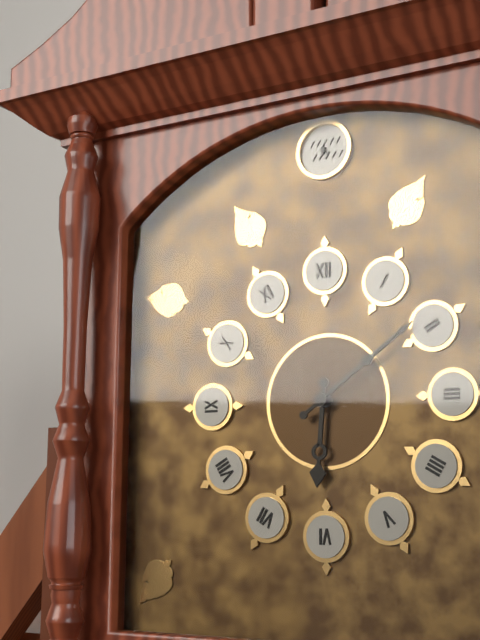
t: 6:09
